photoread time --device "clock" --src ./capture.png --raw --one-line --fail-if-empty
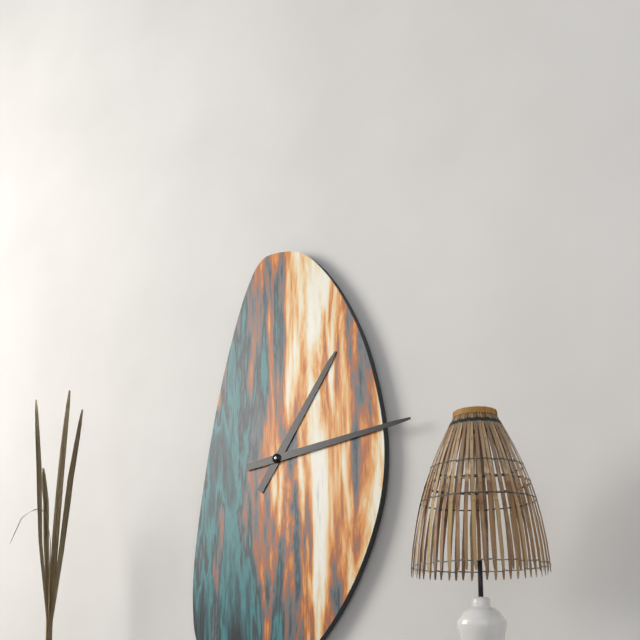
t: 1:14
